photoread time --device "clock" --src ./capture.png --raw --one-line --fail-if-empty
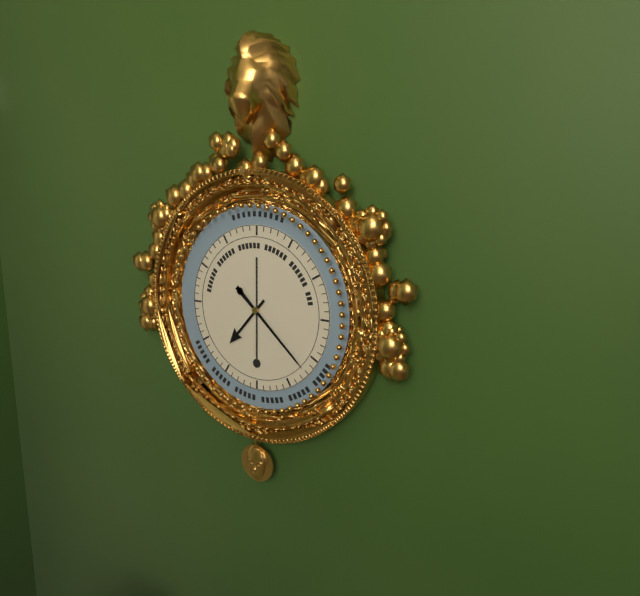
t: 7:22
